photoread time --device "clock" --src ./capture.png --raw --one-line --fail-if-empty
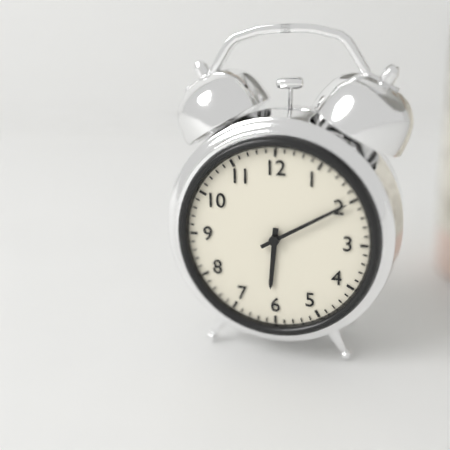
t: 6:10
